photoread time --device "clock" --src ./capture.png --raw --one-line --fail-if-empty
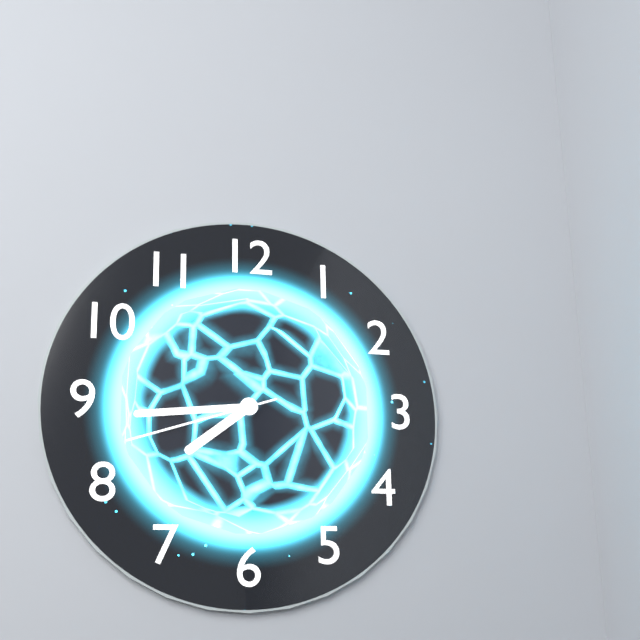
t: 7:44:42
